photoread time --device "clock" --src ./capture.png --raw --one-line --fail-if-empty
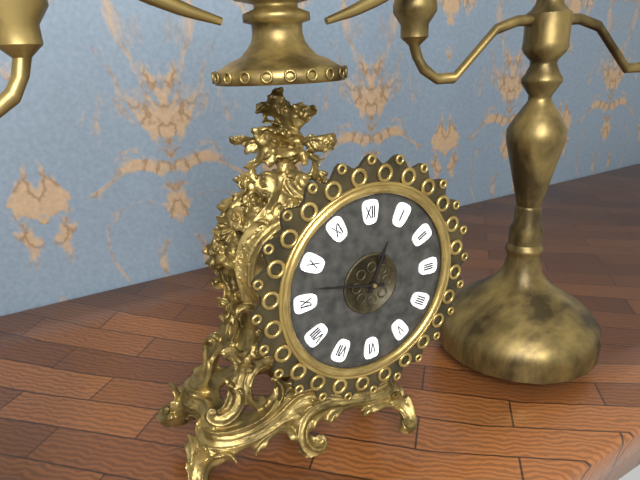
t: 12:47
